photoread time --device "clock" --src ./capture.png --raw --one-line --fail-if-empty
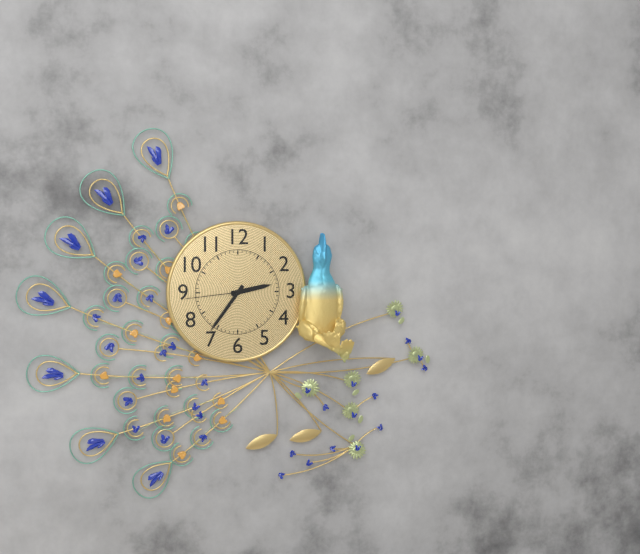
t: 2:36:44
